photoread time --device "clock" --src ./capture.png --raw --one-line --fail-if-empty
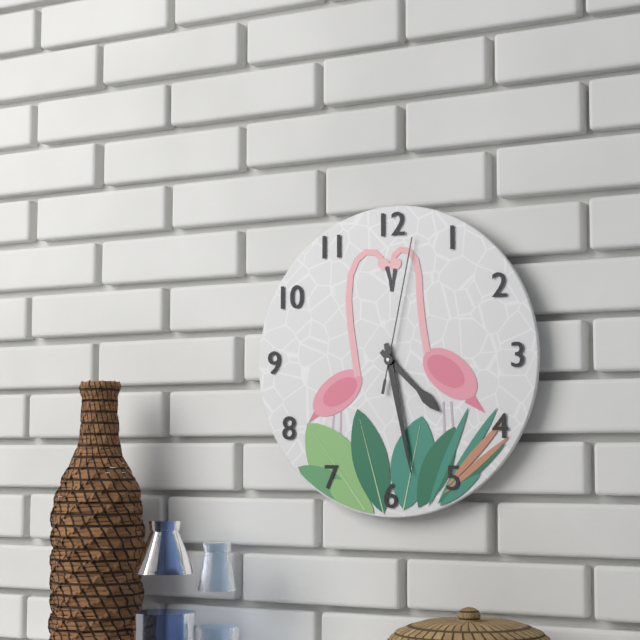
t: 4:28:02
